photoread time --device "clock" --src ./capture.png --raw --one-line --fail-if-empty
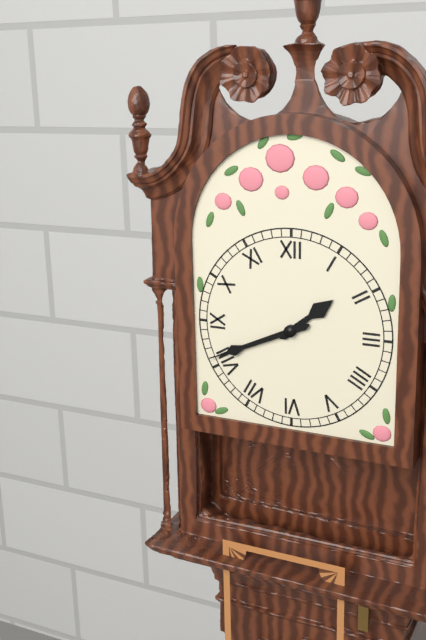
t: 1:41
